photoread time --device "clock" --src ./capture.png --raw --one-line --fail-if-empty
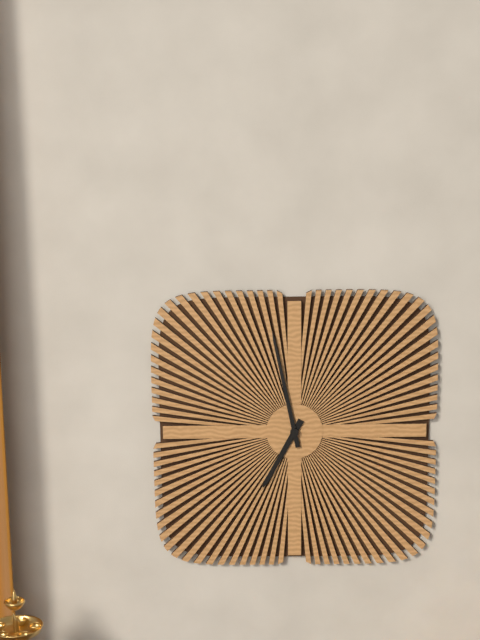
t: 6:58
